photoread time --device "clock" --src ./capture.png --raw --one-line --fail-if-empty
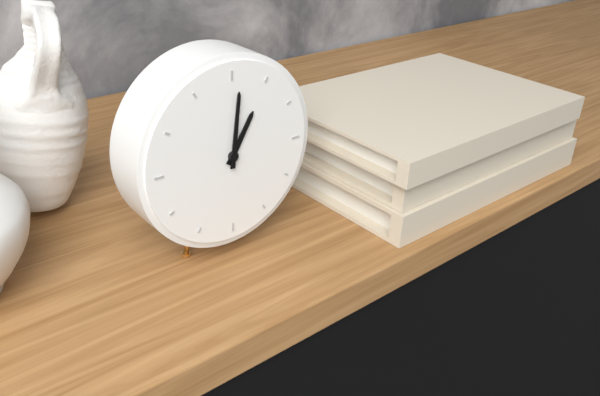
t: 1:01
